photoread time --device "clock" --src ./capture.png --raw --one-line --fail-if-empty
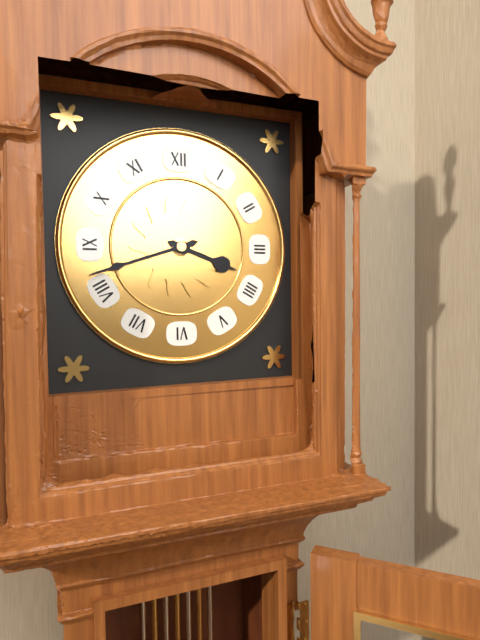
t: 3:42
